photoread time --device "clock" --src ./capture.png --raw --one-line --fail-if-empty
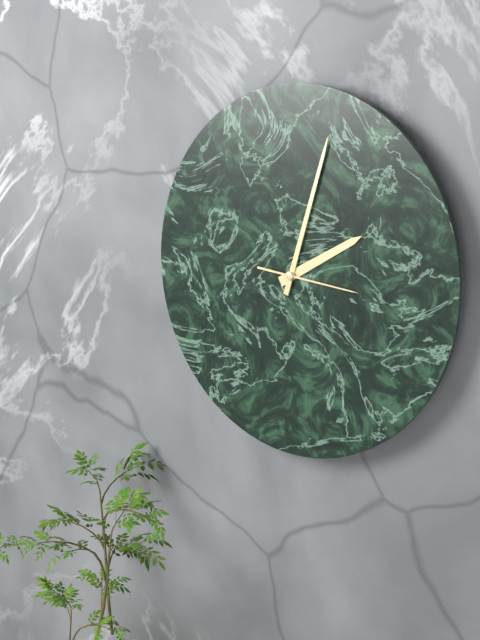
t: 2:03:16
